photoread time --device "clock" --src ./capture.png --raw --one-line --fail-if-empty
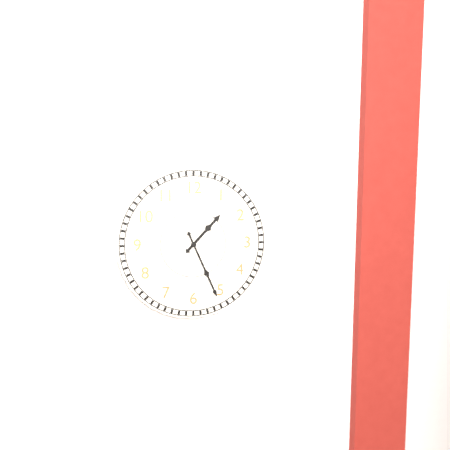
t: 1:26
